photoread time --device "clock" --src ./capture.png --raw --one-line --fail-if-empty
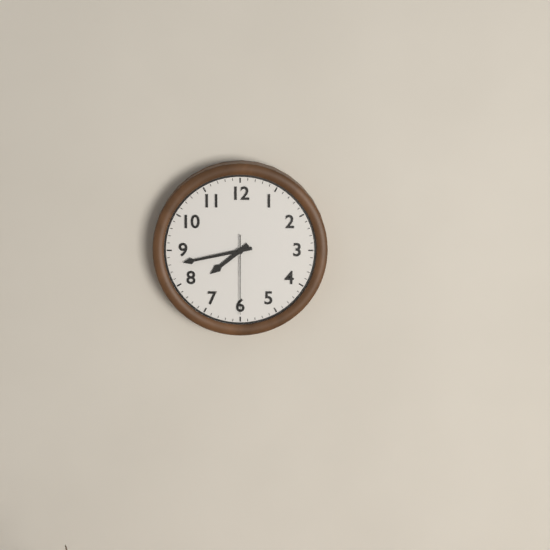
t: 7:43:30
